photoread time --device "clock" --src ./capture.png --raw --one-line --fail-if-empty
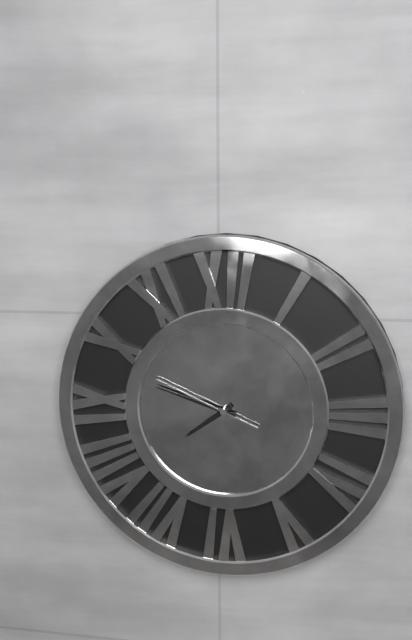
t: 7:48:49
